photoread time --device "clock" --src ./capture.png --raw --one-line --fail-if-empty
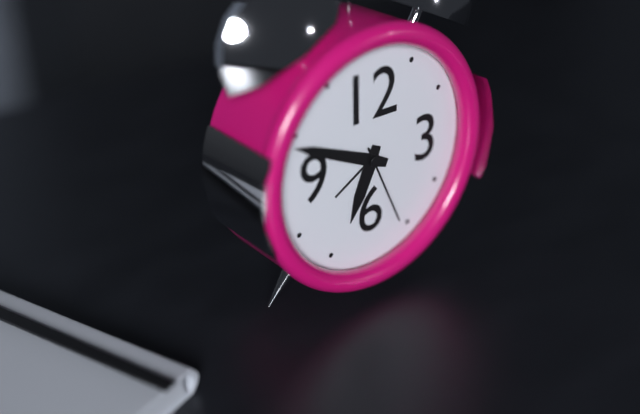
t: 6:49:26
